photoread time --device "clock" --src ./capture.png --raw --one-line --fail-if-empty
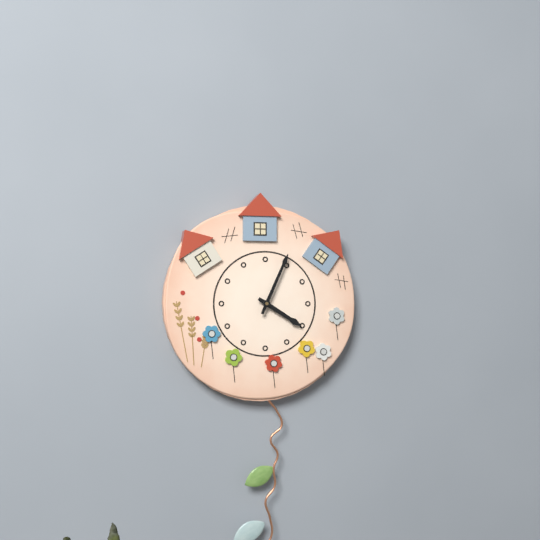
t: 4:04
